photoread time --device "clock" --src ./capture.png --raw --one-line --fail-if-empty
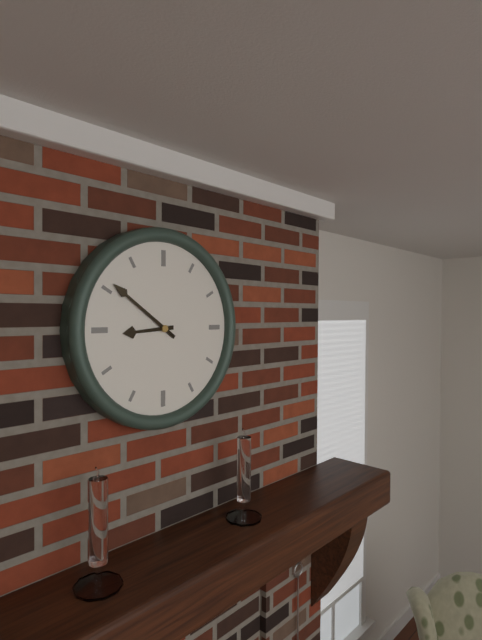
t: 8:51
